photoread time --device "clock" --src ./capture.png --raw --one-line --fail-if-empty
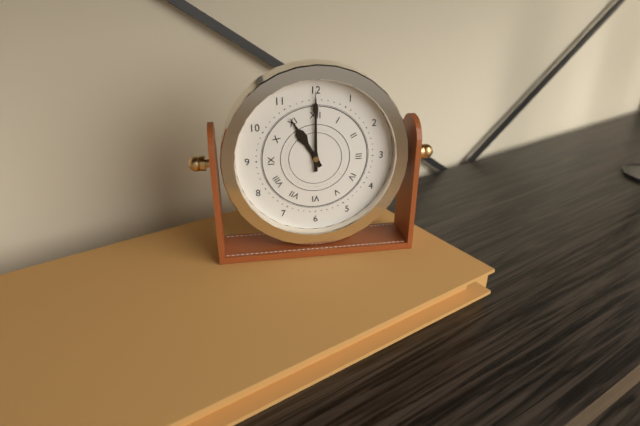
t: 11:00
